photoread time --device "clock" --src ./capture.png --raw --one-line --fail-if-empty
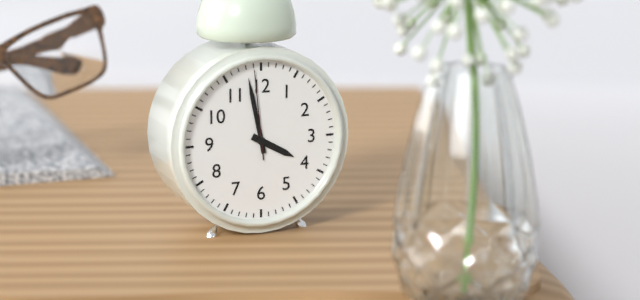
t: 3:58:59
